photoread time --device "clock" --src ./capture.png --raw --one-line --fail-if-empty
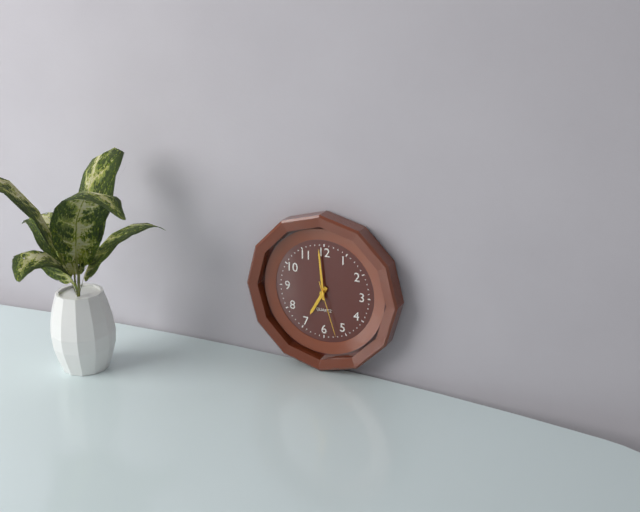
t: 6:59:27
